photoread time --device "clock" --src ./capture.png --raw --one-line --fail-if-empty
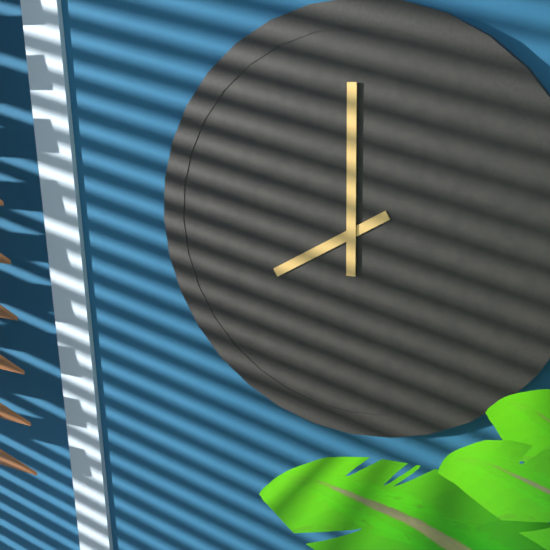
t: 8:00
